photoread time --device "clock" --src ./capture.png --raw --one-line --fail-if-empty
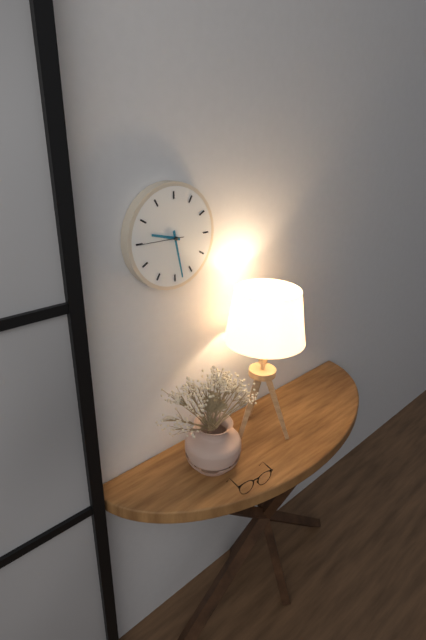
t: 9:28
